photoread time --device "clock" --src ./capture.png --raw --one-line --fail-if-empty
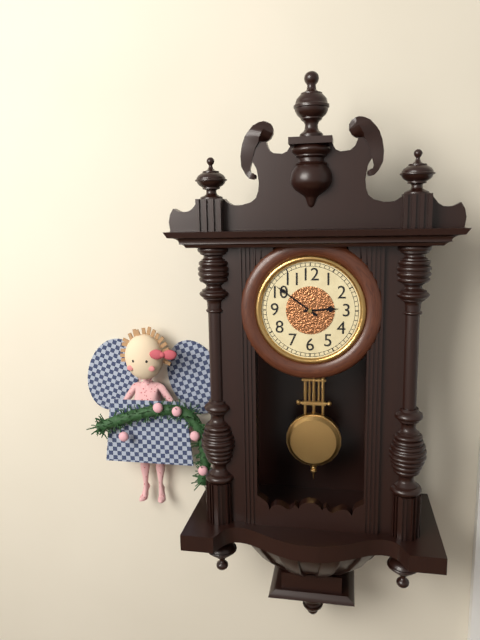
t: 2:51
